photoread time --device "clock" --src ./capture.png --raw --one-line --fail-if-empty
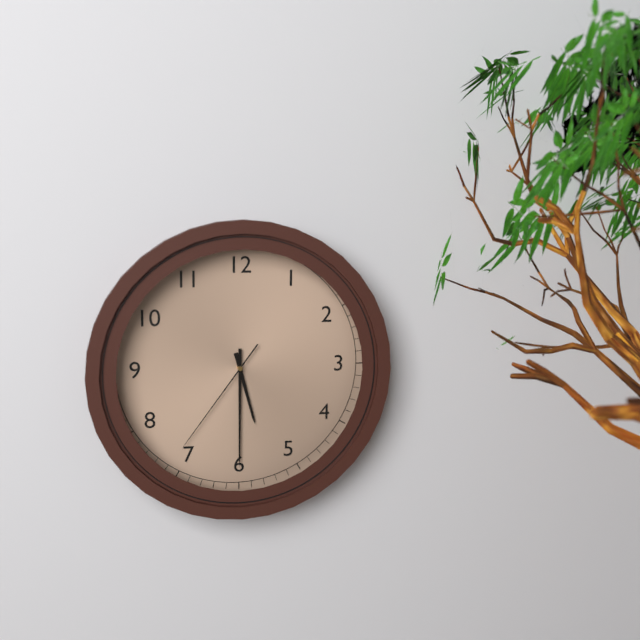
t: 5:30:36
